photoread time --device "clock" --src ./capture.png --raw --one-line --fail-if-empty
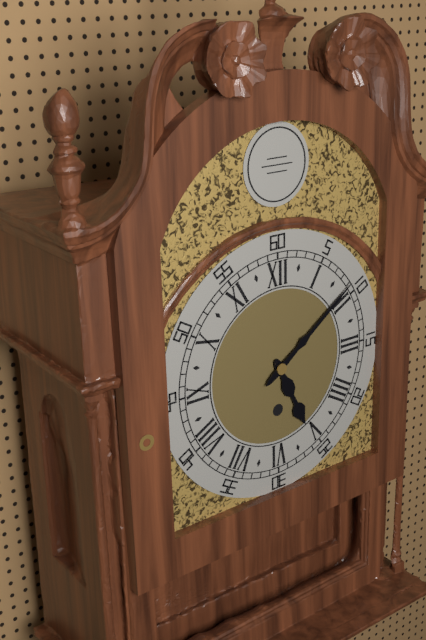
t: 5:09
